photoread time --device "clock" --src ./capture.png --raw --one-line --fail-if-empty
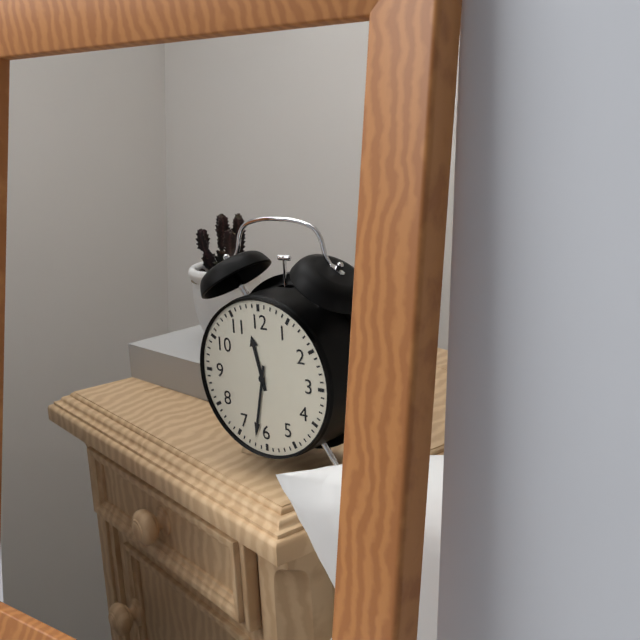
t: 11:32
